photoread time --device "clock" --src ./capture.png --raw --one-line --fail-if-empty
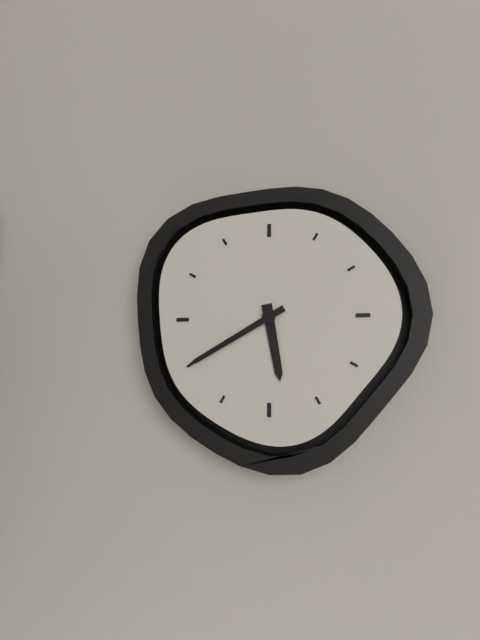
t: 5:40
